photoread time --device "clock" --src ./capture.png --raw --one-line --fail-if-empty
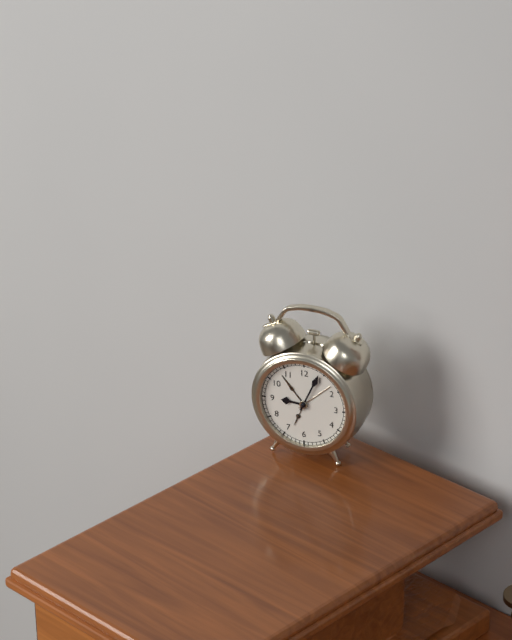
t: 9:04
